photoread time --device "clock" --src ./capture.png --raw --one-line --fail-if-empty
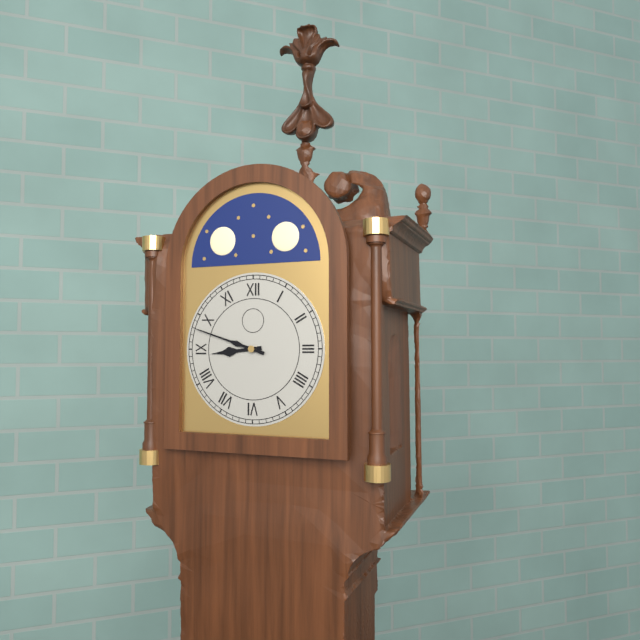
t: 8:48
